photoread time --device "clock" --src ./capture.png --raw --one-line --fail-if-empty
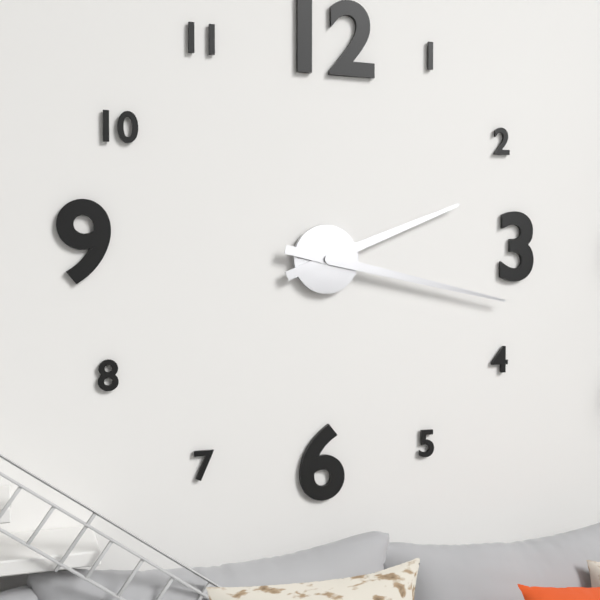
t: 2:17
